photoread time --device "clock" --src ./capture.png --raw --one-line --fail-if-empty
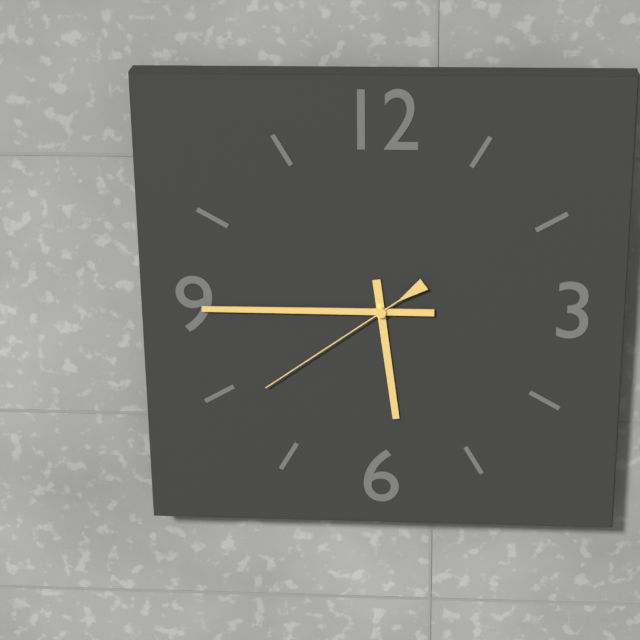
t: 5:45:39
